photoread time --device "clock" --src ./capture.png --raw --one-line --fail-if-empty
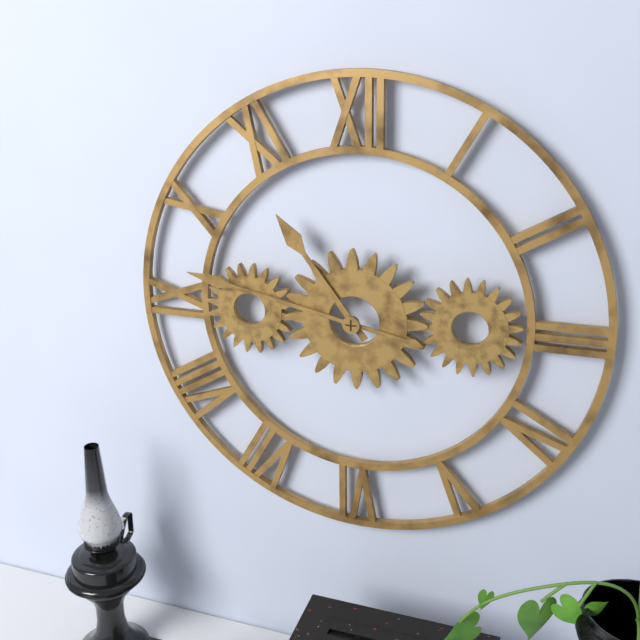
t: 10:47
